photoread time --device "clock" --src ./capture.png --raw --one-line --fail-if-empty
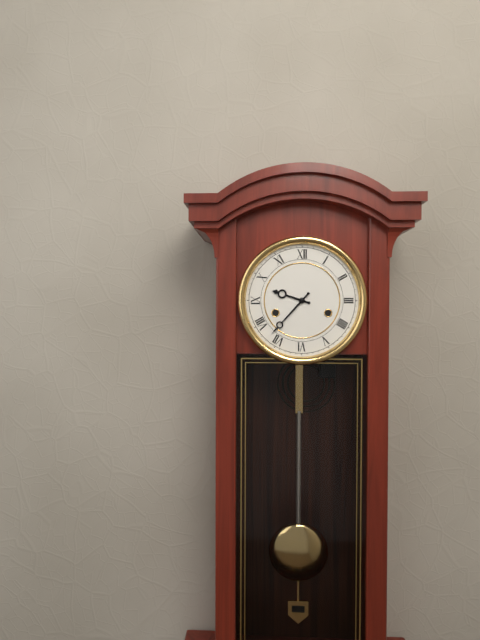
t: 9:37
